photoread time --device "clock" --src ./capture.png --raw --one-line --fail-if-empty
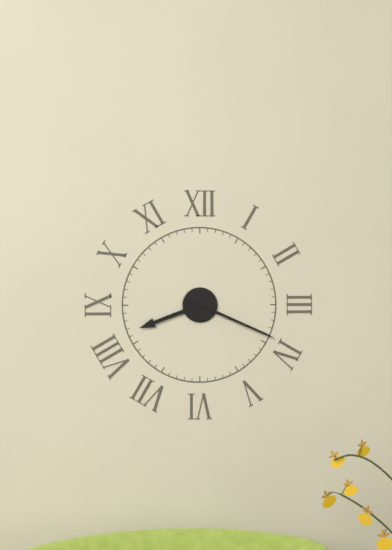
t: 8:19
